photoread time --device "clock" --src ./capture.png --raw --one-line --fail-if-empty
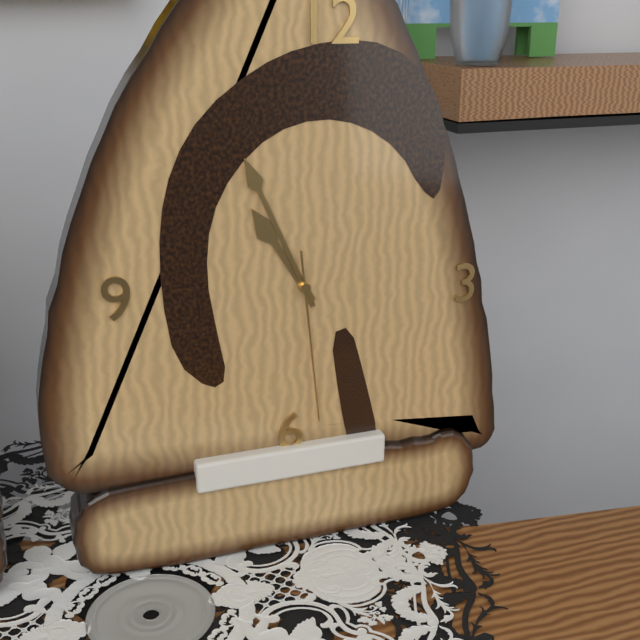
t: 10:56:29
